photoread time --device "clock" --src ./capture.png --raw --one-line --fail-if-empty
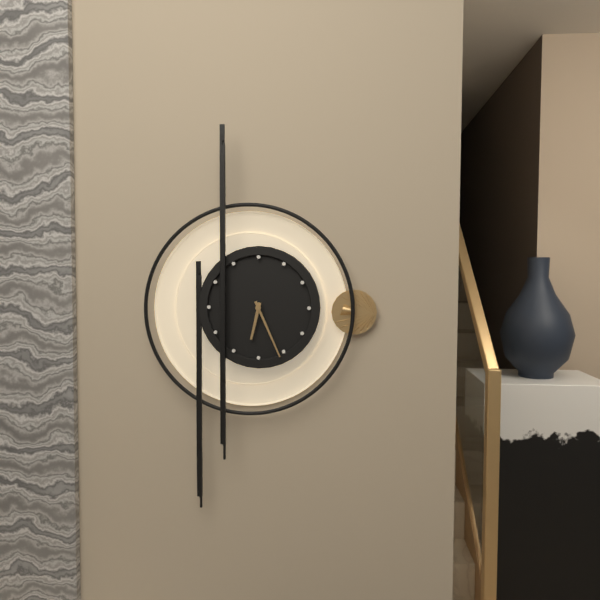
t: 6:26
